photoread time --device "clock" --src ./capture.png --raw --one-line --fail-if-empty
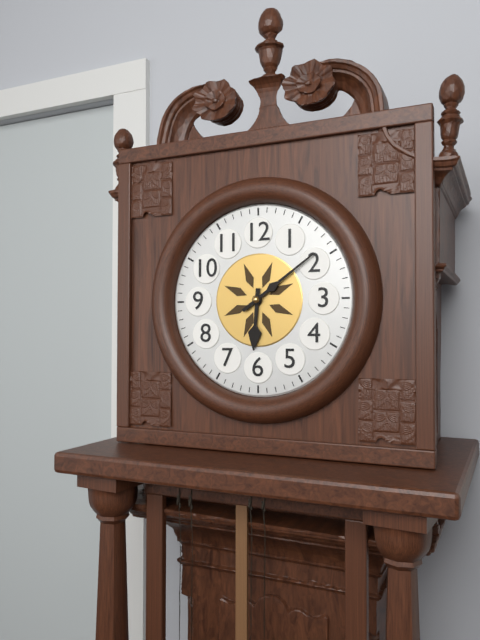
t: 6:09
